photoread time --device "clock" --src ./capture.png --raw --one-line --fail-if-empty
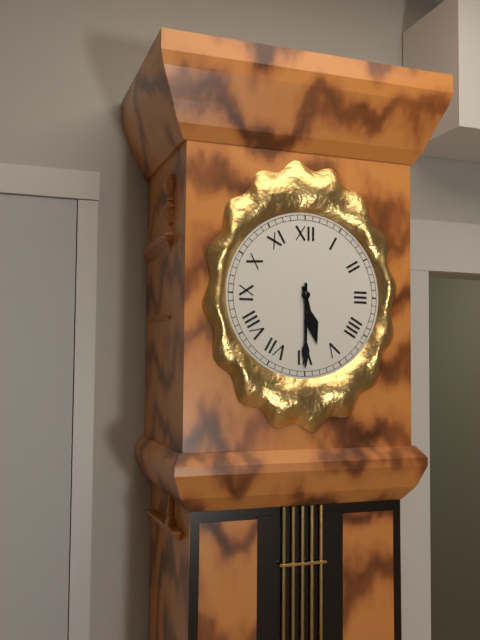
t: 5:30
